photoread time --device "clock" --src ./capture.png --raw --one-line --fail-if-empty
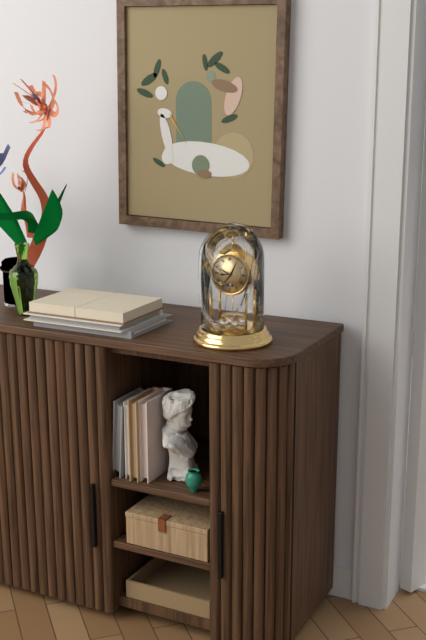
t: 8:49
